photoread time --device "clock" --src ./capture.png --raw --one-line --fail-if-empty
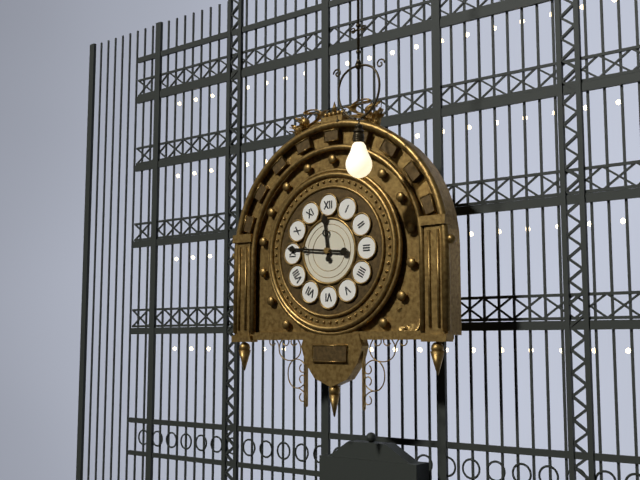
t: 11:46
